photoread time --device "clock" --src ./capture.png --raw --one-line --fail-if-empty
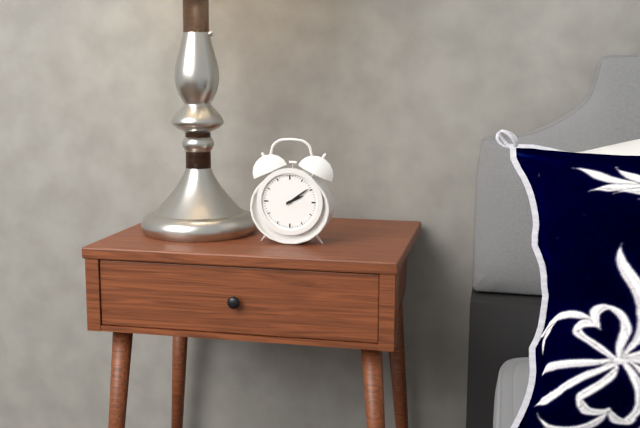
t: 2:09
